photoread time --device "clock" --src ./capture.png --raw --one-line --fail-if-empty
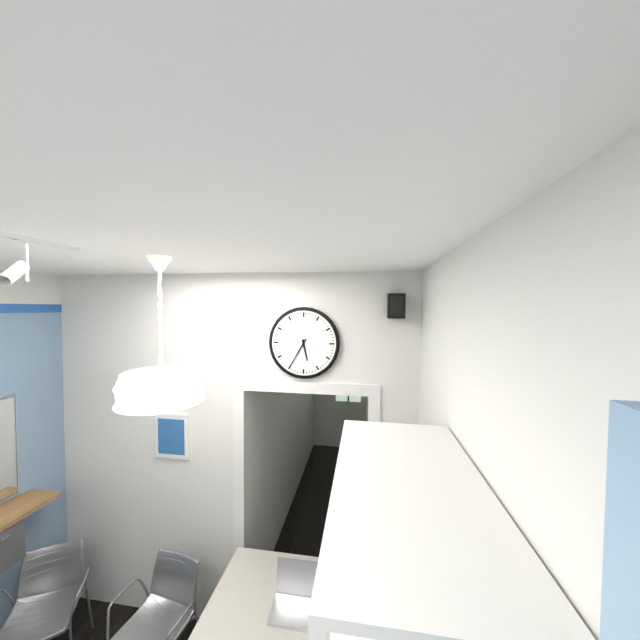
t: 5:35
